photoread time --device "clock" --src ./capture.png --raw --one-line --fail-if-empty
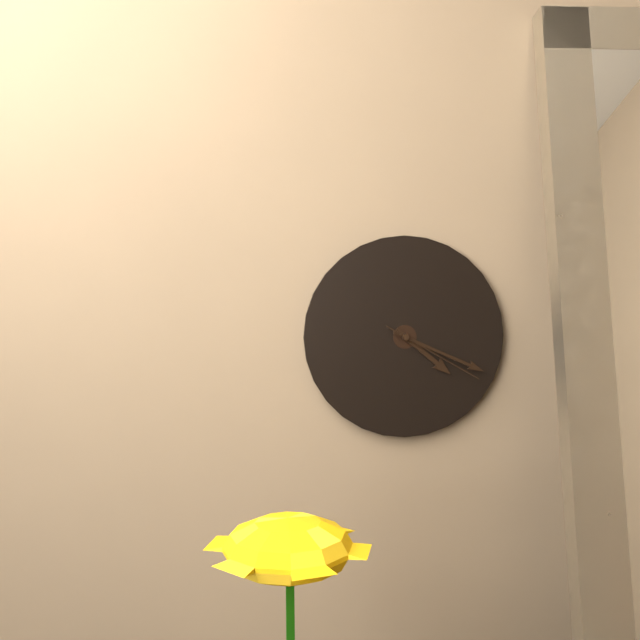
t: 4:19:20
